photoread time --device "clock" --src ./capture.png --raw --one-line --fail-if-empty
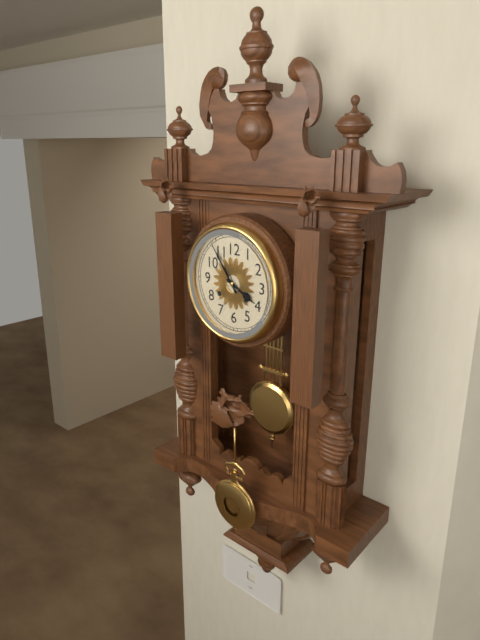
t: 3:54
